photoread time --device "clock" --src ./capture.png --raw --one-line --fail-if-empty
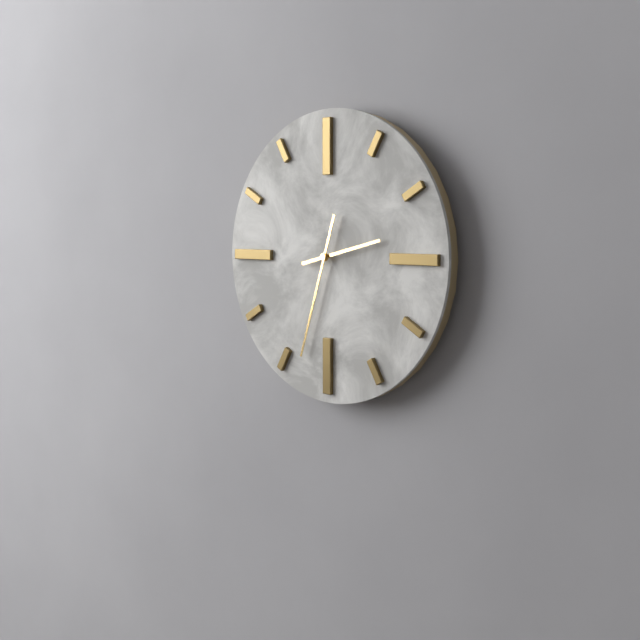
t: 2:33
